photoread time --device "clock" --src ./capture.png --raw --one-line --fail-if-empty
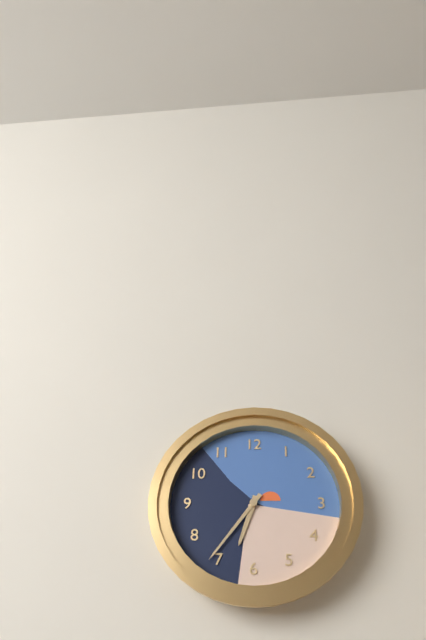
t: 6:36
